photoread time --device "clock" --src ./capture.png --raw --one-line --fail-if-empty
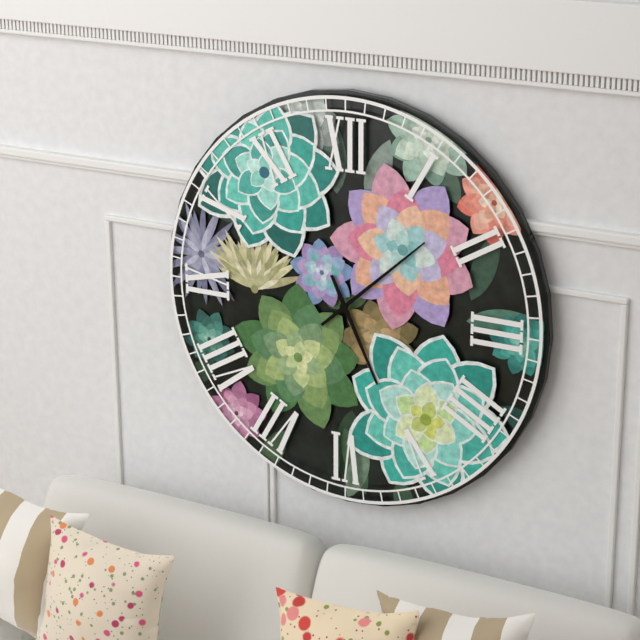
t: 5:08
